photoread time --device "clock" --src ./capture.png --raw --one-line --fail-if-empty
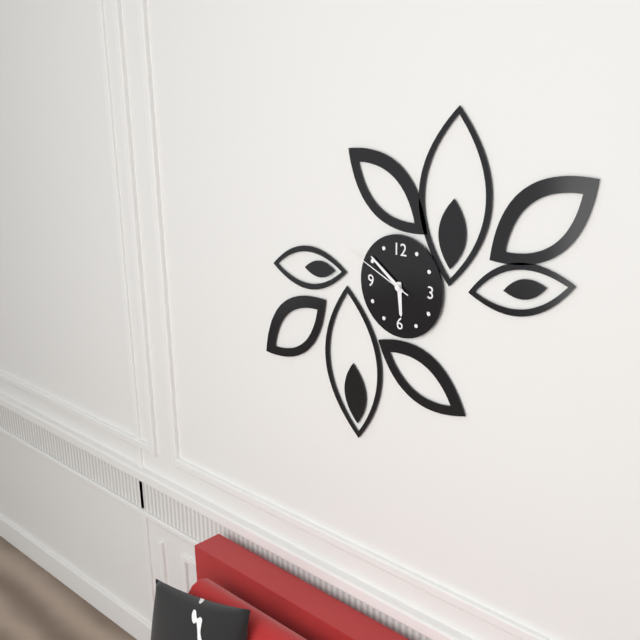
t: 5:51:49
